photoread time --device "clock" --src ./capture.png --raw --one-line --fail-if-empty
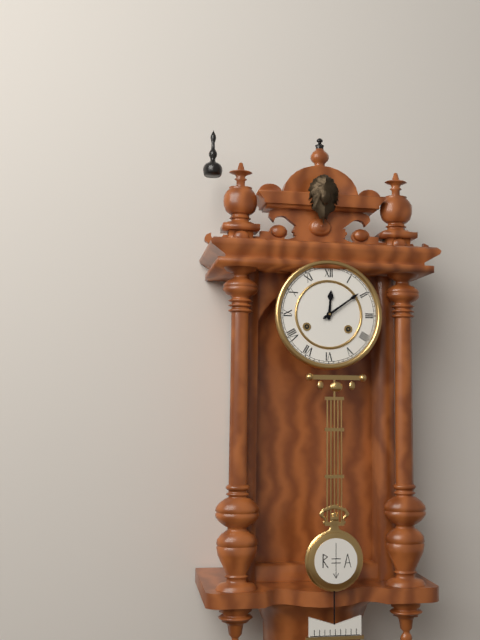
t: 12:09
